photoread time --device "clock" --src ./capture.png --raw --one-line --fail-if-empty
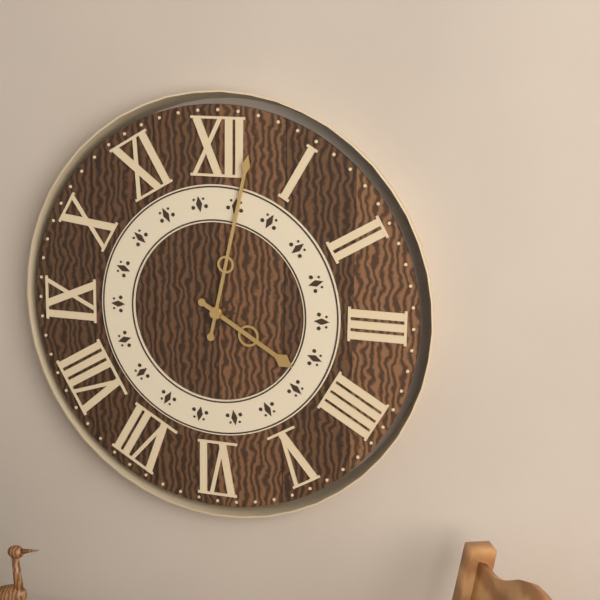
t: 4:02
